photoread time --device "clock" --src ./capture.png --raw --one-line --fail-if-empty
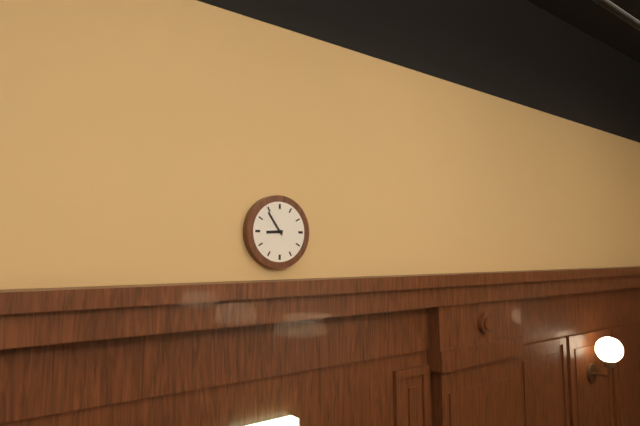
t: 8:54
